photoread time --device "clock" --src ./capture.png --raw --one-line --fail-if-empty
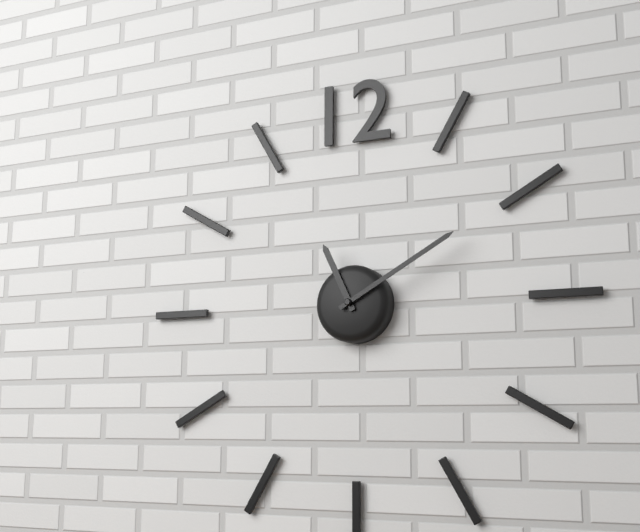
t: 11:10
